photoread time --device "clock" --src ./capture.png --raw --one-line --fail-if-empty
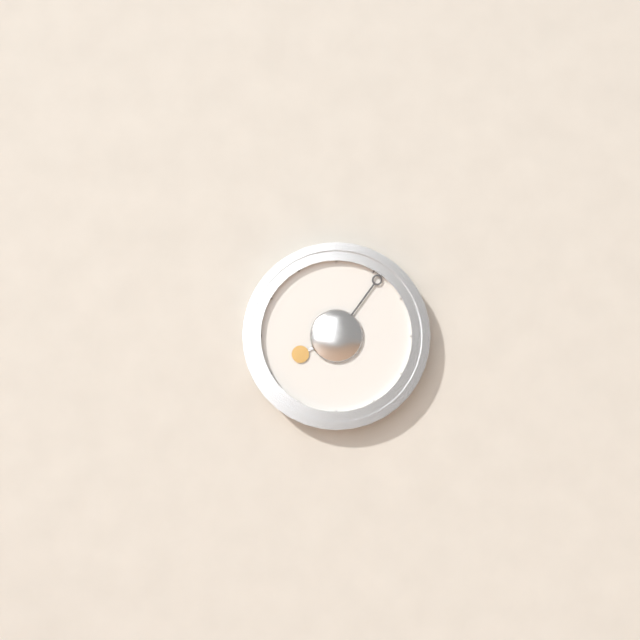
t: 8:06
